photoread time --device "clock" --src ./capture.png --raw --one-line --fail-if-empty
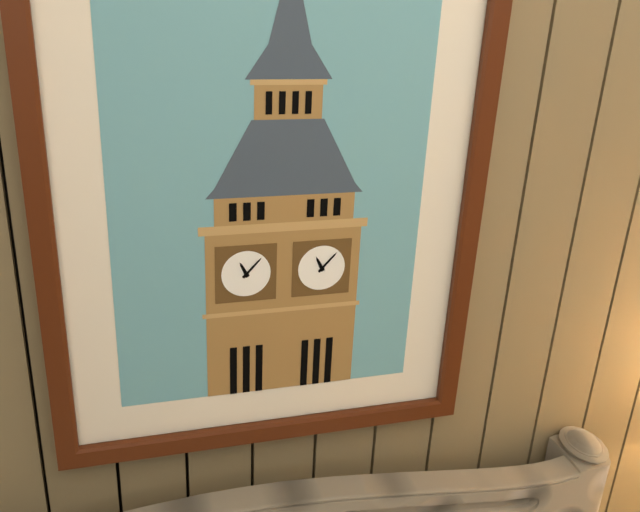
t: 11:07
